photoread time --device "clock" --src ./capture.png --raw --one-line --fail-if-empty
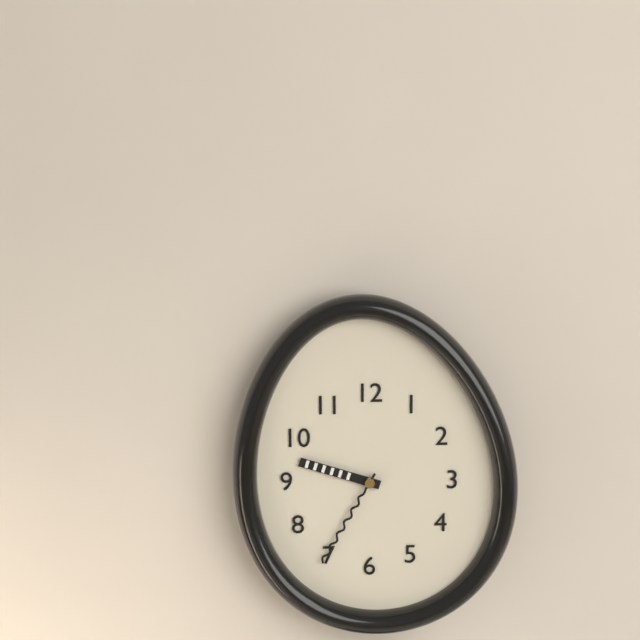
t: 9:35
